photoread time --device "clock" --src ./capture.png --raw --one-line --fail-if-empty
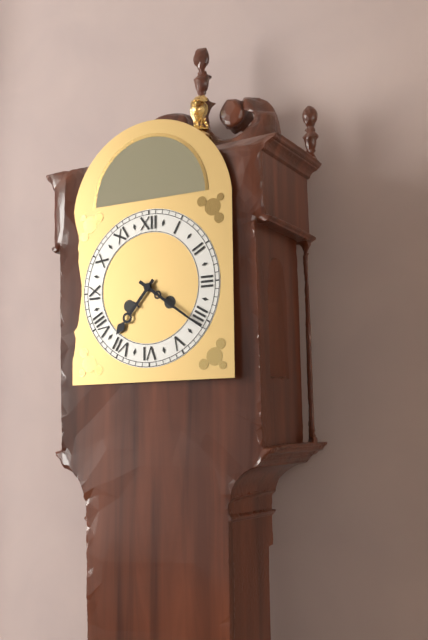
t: 7:21
